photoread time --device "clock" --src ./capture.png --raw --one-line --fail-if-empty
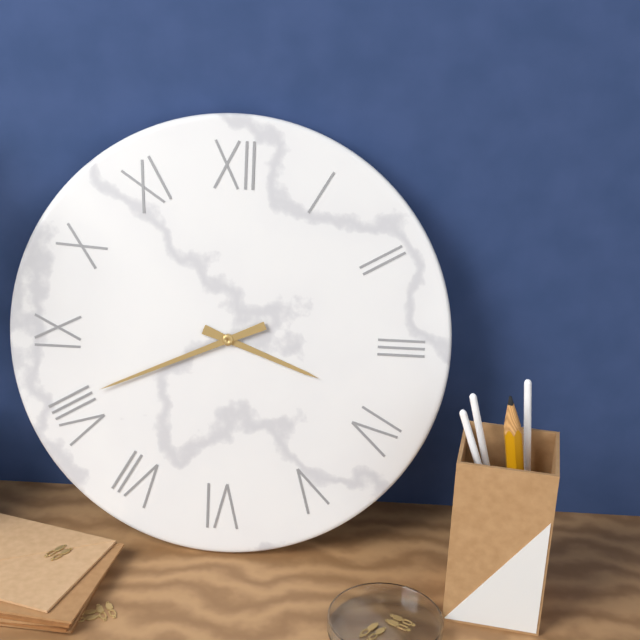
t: 3:41
